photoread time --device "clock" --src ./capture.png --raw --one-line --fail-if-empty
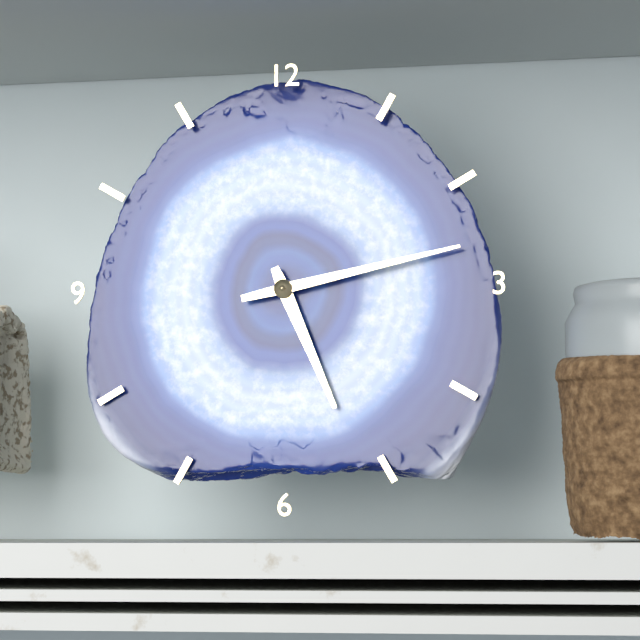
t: 5:13
